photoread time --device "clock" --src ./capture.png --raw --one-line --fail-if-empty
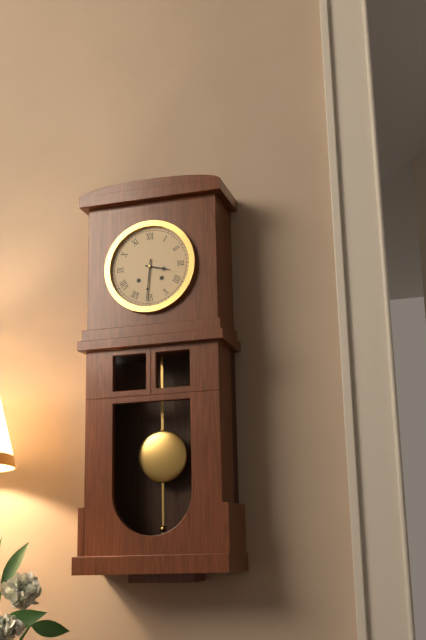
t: 3:31
